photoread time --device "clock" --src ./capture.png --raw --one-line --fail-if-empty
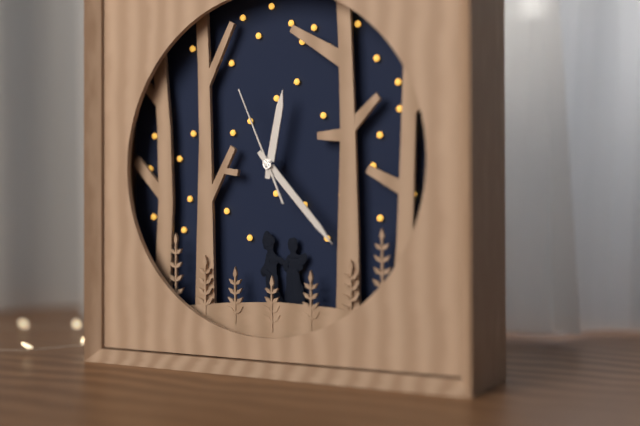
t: 12:23:56
